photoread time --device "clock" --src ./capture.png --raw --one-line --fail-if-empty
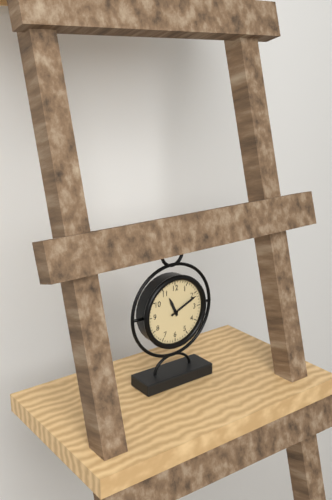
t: 11:11
